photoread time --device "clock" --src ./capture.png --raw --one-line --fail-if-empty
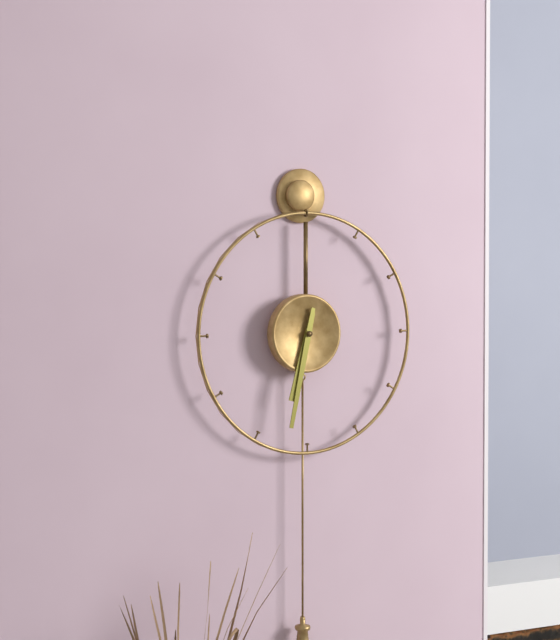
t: 6:32
